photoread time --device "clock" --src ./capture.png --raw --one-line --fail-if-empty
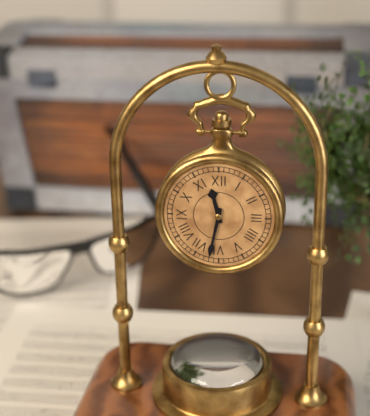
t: 11:32
